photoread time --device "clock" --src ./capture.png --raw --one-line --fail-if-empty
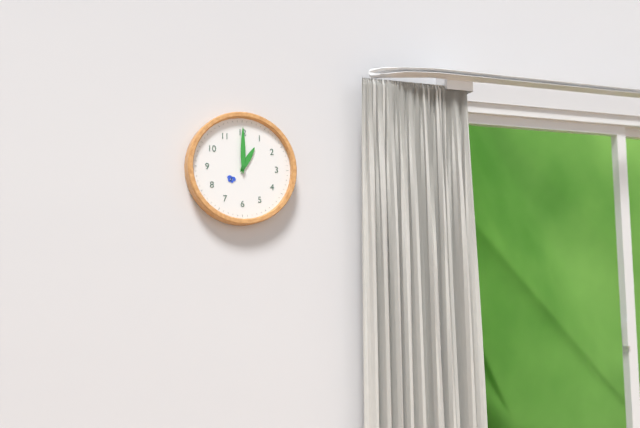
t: 1:00
